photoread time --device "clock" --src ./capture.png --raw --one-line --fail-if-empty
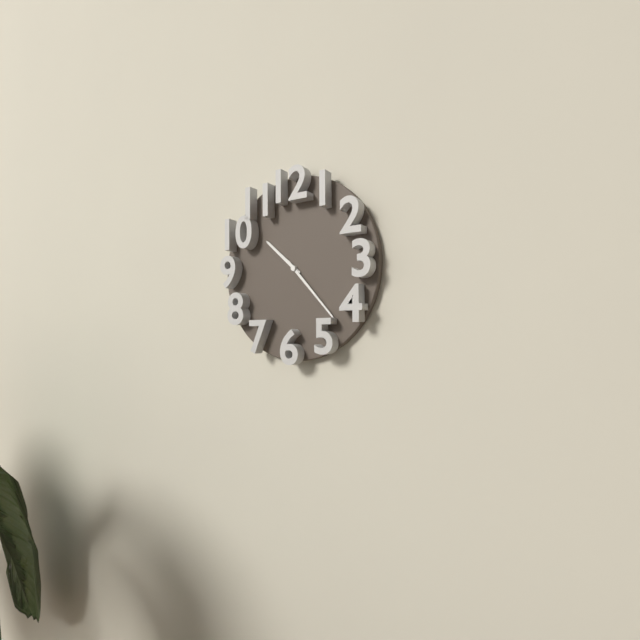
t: 10:23
